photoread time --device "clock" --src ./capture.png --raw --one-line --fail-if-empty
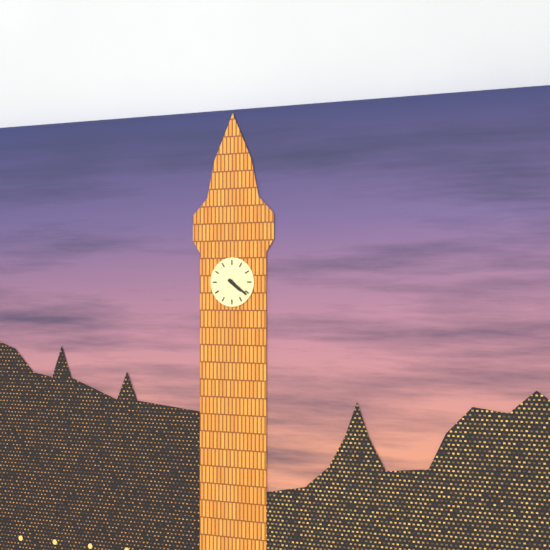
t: 4:21
